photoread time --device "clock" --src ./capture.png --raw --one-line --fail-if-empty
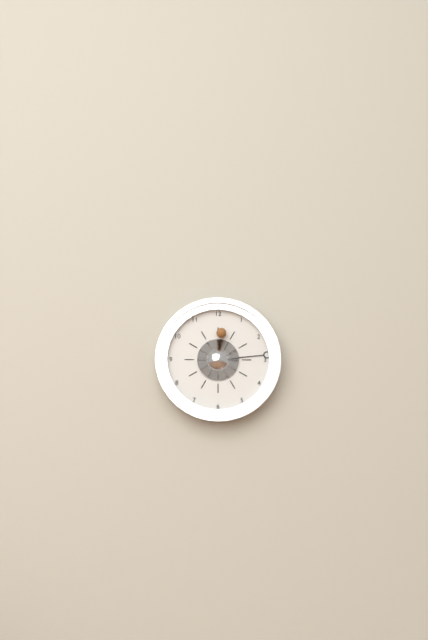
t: 12:14
